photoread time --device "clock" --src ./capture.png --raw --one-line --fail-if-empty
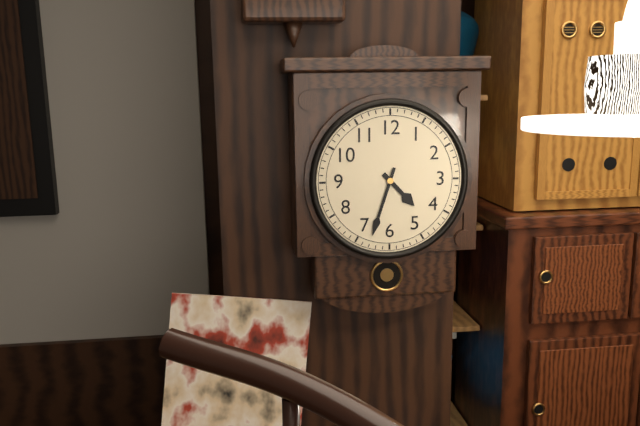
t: 4:33
